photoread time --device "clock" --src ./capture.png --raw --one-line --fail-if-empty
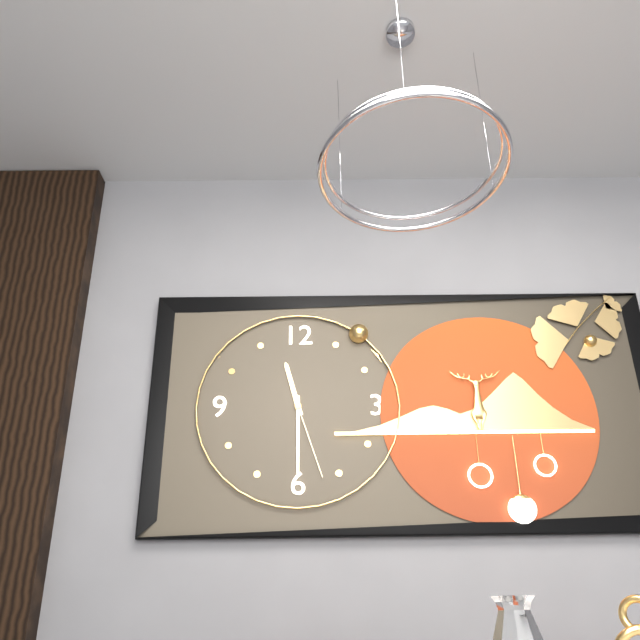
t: 11:30:27
